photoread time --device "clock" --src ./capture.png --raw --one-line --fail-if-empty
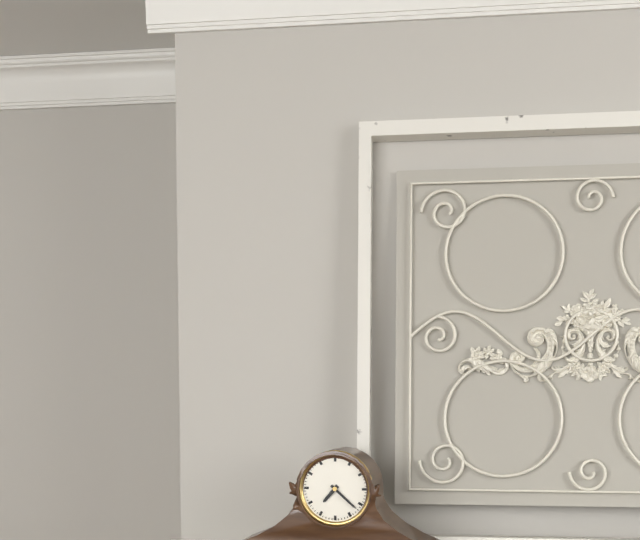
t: 7:22
